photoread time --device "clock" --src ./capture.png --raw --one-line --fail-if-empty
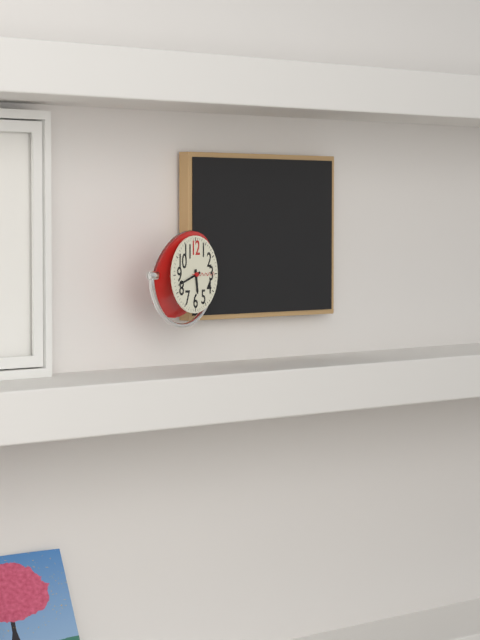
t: 5:42
